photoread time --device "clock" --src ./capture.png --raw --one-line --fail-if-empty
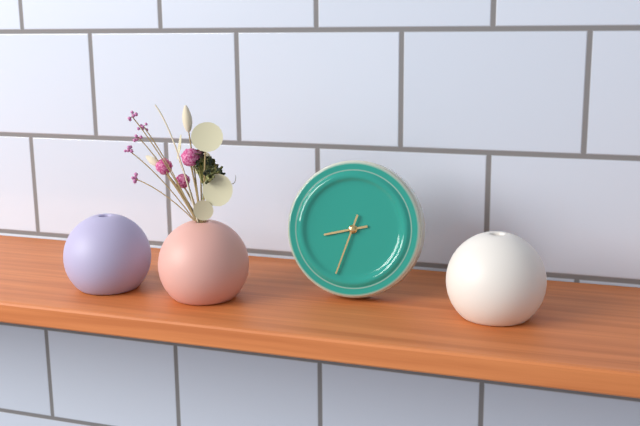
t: 8:33
